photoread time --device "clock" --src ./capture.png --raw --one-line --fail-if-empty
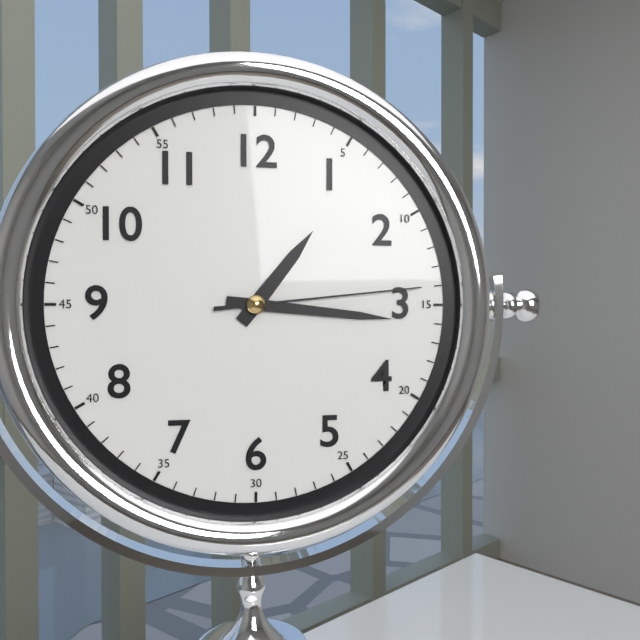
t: 1:16:14
